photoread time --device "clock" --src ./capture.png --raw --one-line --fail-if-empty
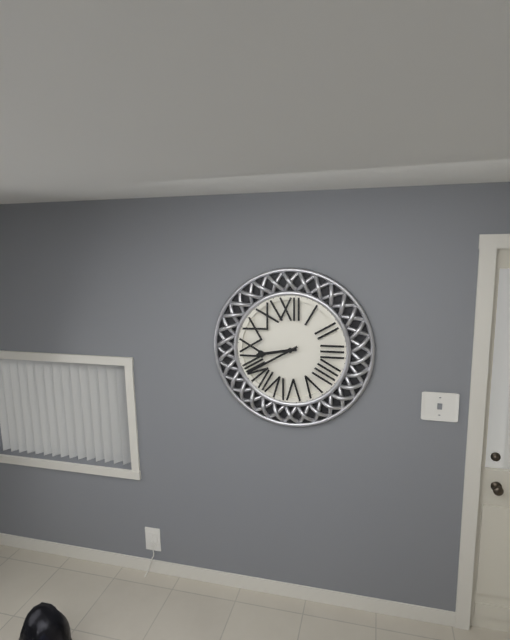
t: 8:40
